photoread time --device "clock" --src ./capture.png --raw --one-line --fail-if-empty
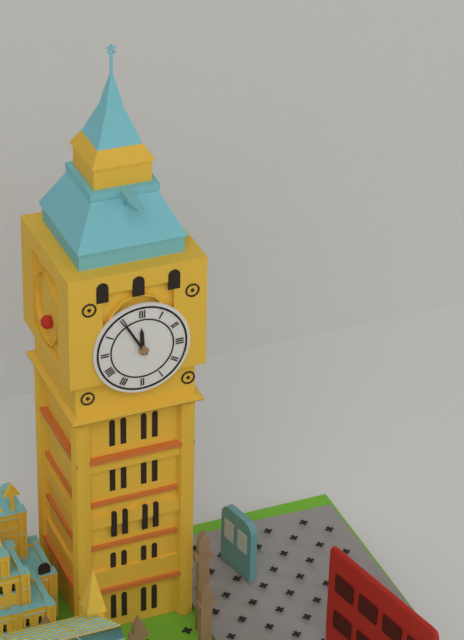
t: 11:55
